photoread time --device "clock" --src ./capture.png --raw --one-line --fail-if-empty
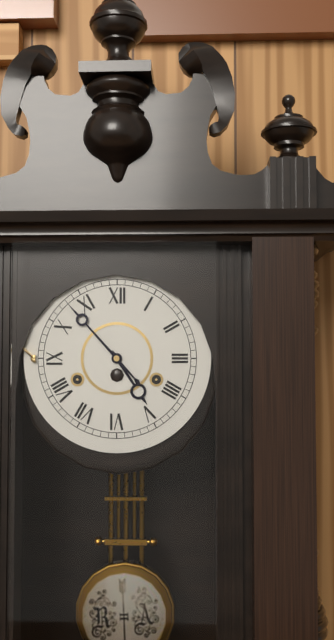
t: 4:53
